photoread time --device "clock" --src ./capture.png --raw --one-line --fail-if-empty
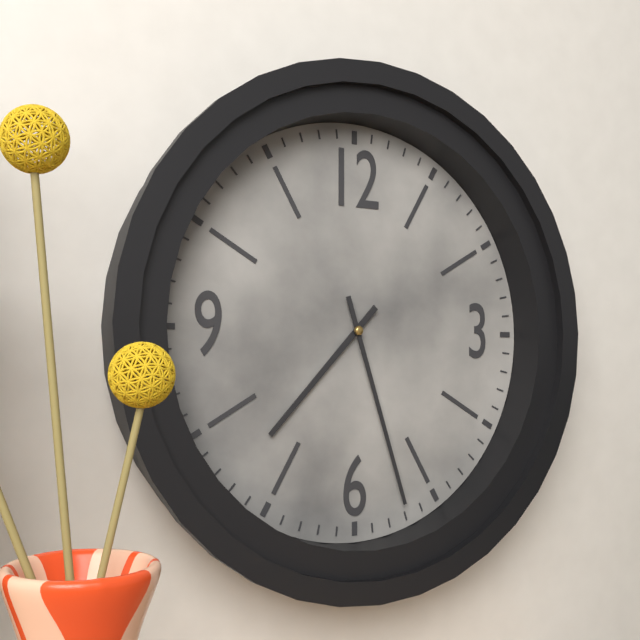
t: 7:27
